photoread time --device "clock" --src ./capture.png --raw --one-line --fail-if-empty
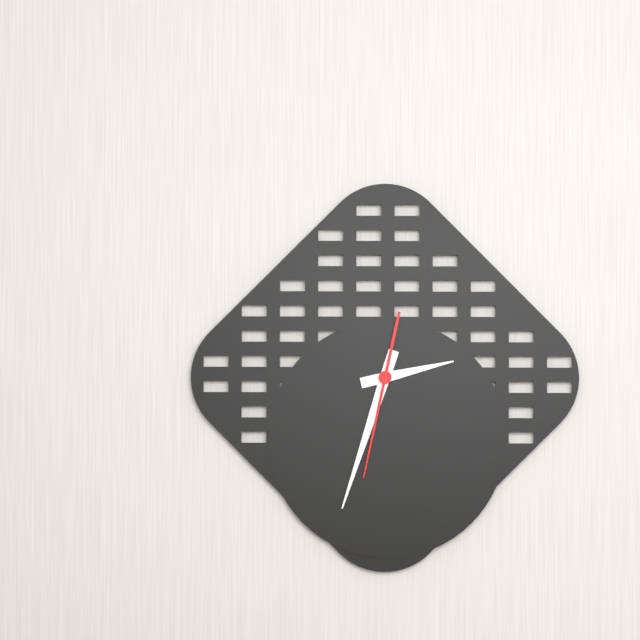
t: 2:33:32
